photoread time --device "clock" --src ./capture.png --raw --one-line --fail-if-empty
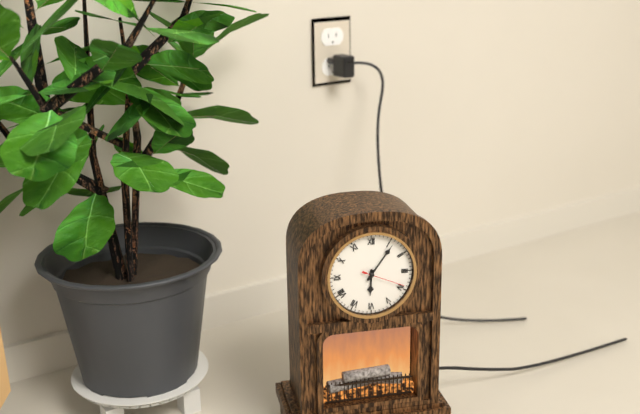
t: 6:06:19
